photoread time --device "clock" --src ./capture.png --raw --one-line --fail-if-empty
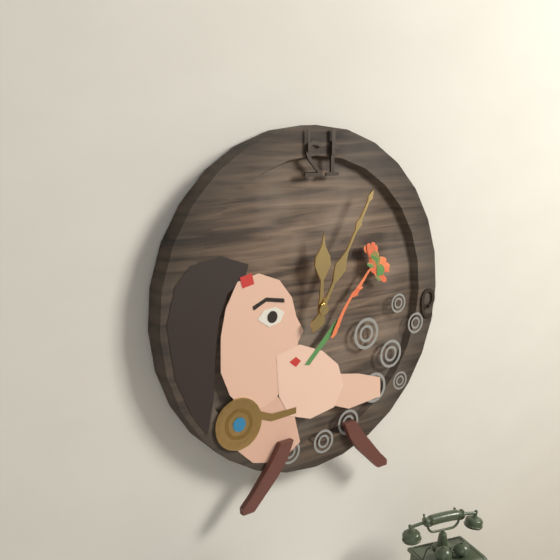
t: 12:05
